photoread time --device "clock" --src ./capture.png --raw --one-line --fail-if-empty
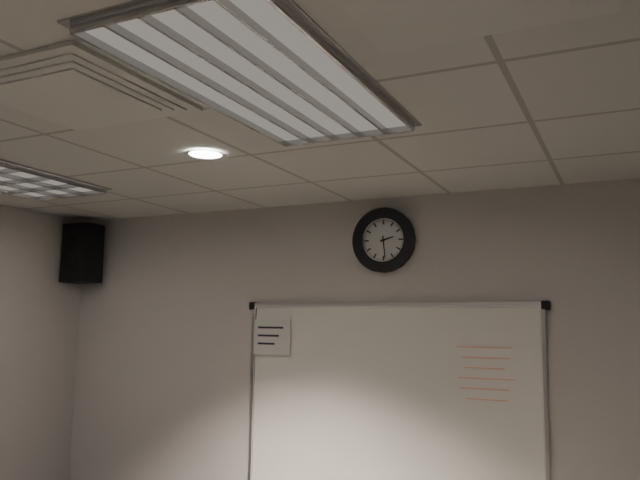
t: 2:29
